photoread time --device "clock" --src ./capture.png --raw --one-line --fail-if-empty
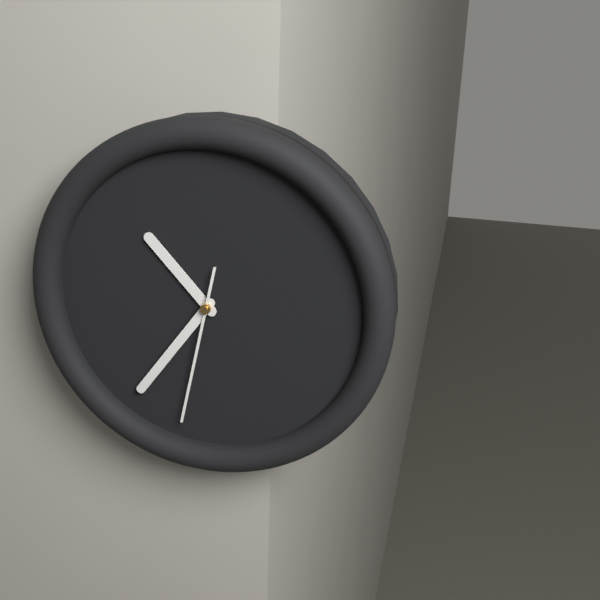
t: 10:36:32
